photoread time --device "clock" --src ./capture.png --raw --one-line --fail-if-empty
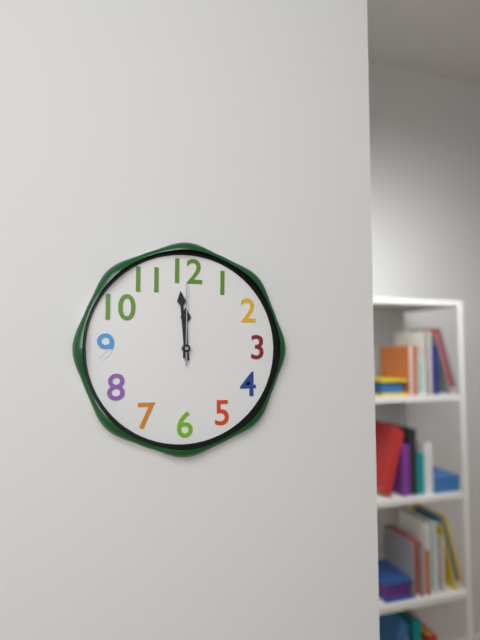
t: 11:59:00
